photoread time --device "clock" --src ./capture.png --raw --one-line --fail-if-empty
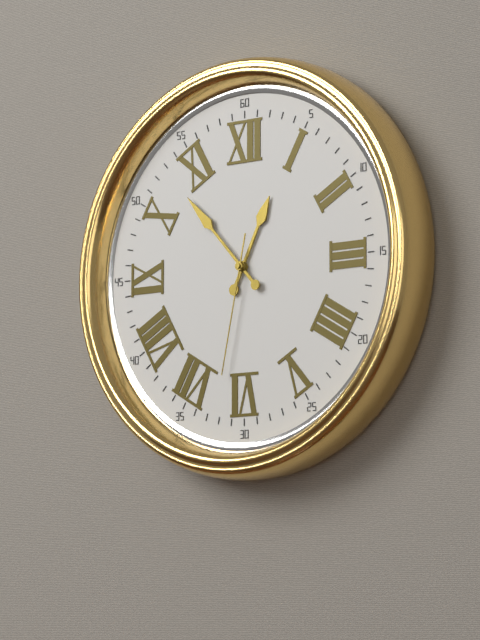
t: 12:53:32
